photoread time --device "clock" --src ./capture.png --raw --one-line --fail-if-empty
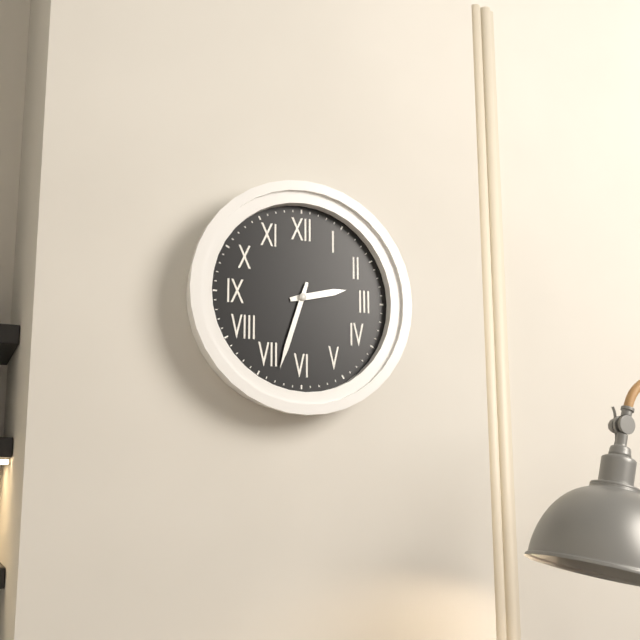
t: 2:33
